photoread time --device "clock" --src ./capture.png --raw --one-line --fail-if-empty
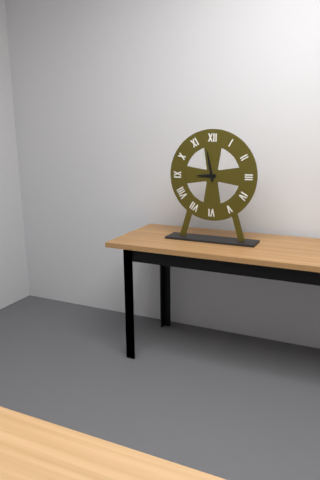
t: 8:58
